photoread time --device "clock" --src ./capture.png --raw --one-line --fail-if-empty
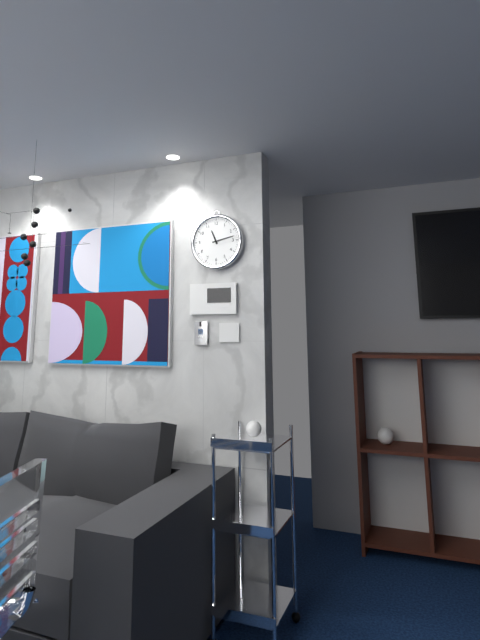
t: 11:13
